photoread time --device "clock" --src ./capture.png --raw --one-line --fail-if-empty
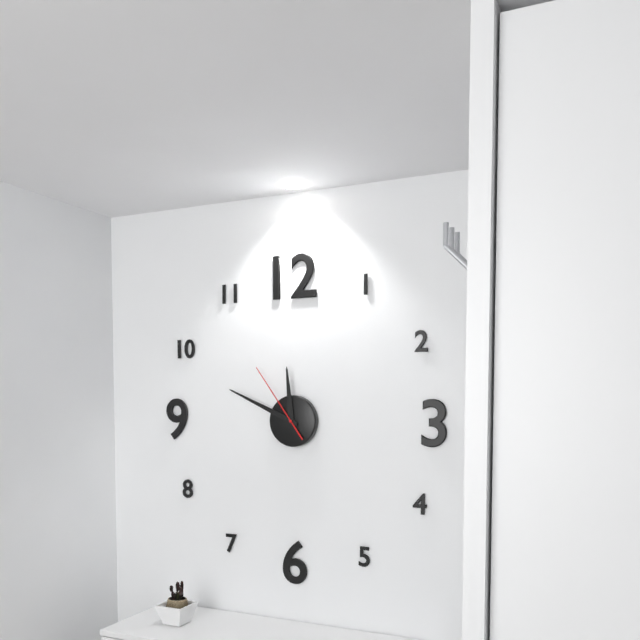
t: 11:49:54
